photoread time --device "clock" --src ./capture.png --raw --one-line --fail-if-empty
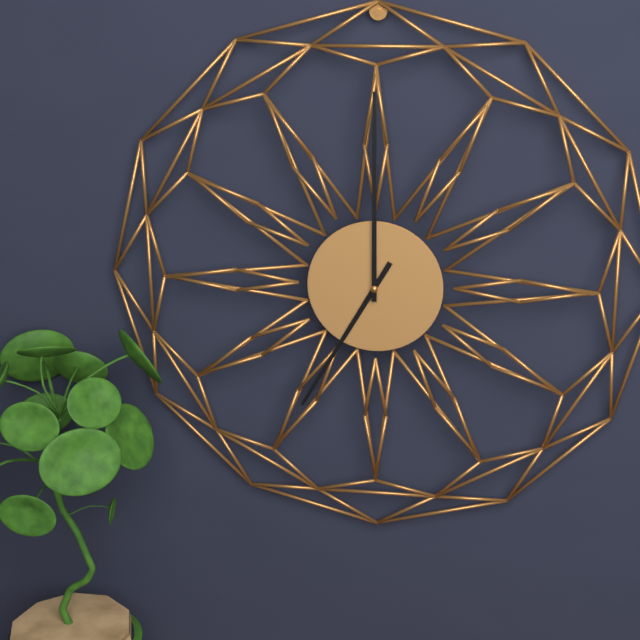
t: 7:00
